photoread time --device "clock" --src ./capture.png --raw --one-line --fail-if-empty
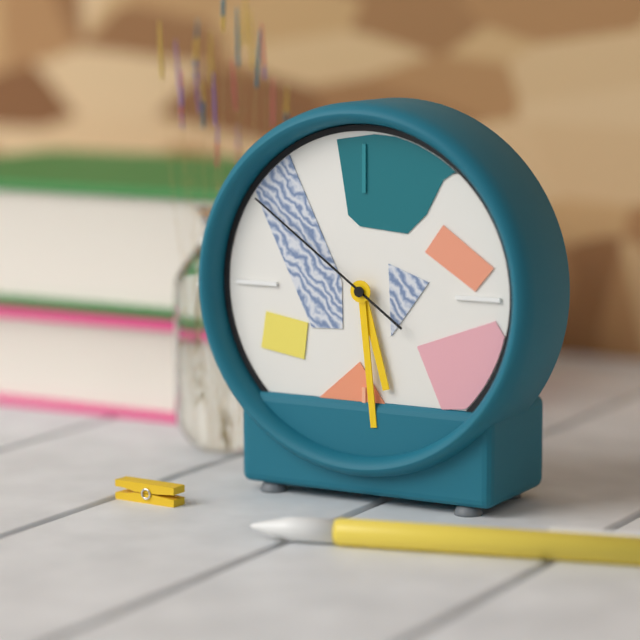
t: 5:29:51
